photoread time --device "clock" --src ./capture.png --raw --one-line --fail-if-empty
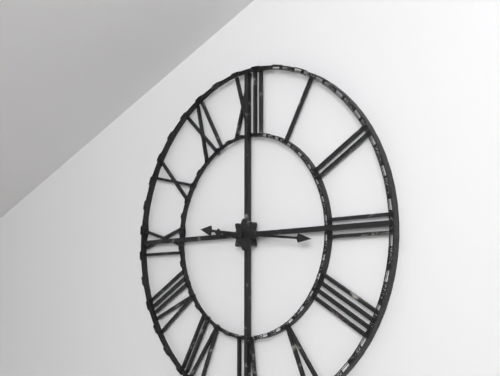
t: 9:16
